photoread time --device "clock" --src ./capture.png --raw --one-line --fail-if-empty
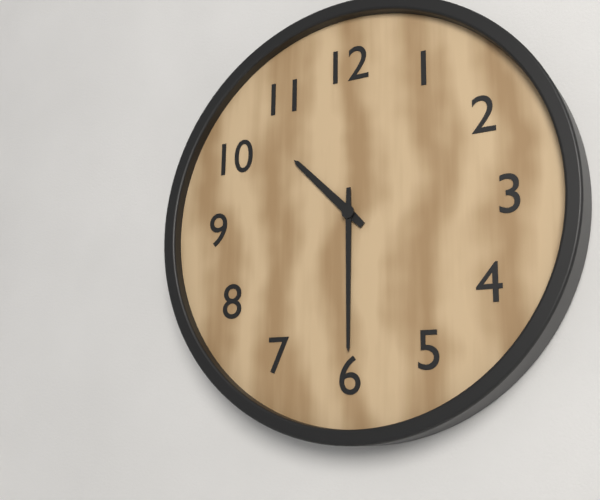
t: 10:30
